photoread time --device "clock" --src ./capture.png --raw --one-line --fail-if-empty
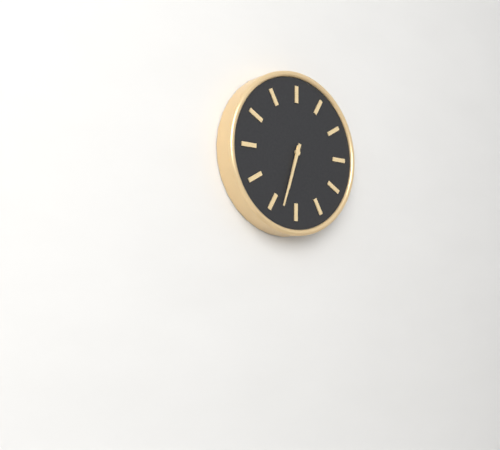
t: 6:33
